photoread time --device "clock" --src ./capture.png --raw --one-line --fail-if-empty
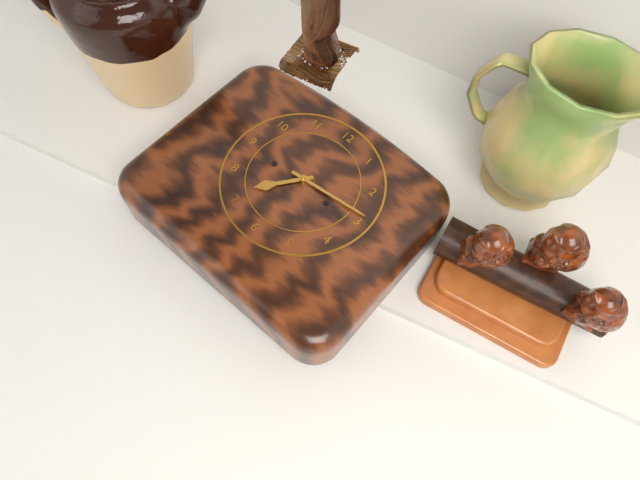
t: 7:14
